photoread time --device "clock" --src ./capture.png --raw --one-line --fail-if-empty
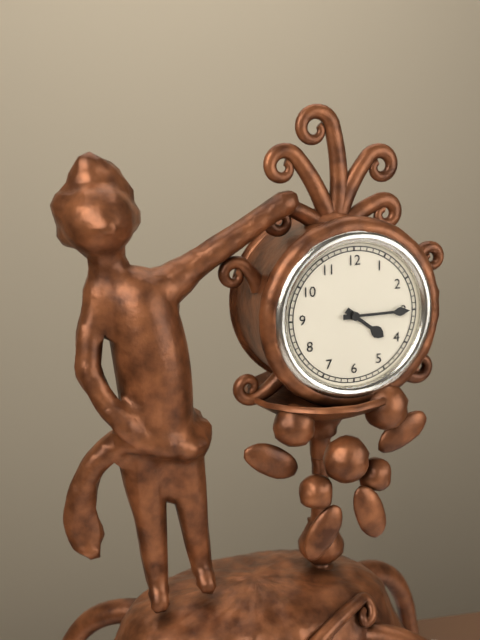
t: 4:15
